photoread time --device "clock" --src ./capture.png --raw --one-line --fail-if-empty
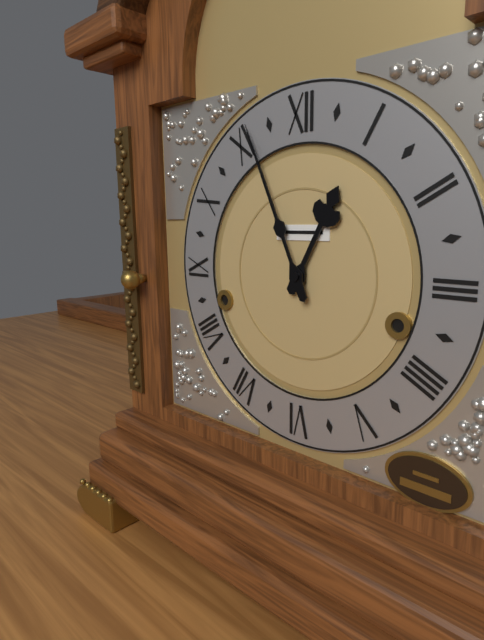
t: 12:56
